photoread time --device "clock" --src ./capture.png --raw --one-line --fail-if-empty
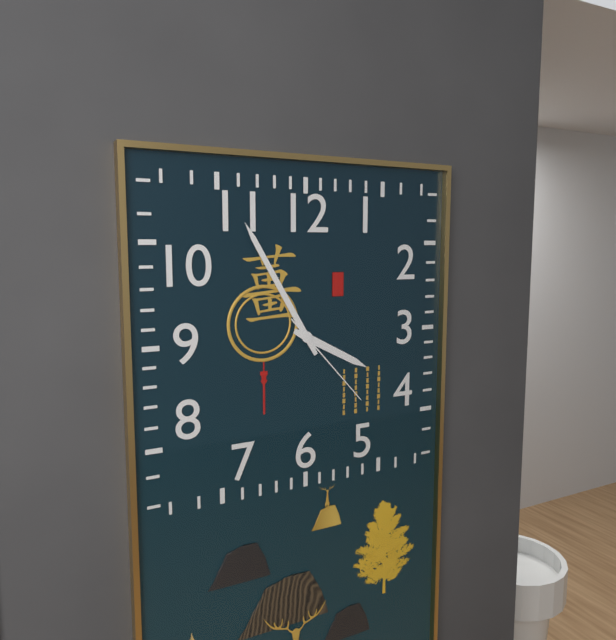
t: 3:55:23
